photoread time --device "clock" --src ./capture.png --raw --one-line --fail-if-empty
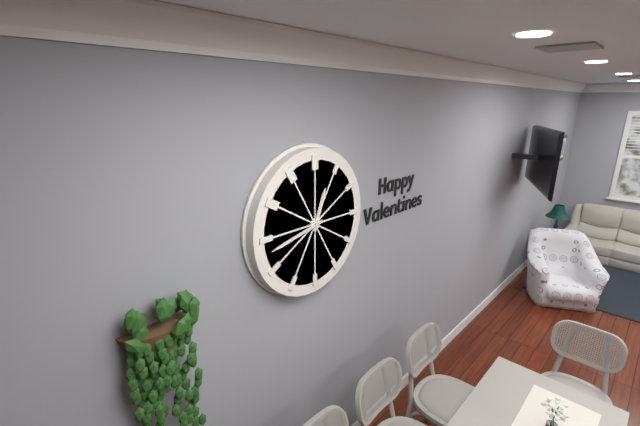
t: 12:43
